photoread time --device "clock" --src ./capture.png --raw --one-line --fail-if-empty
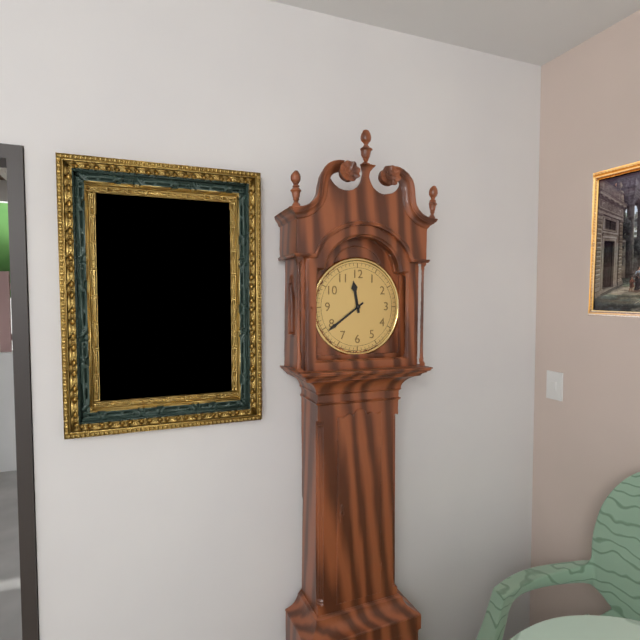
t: 11:39
